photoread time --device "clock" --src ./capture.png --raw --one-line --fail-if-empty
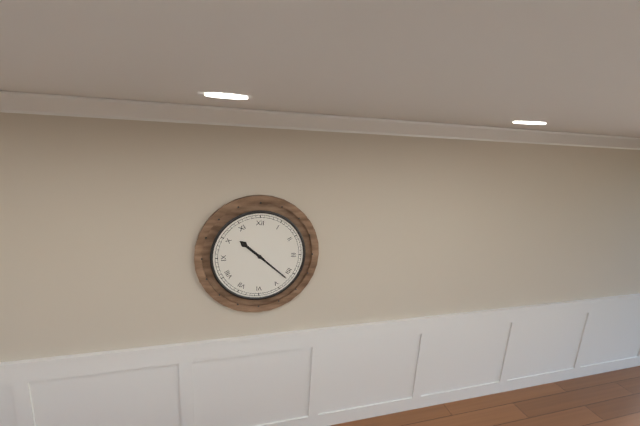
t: 10:22
